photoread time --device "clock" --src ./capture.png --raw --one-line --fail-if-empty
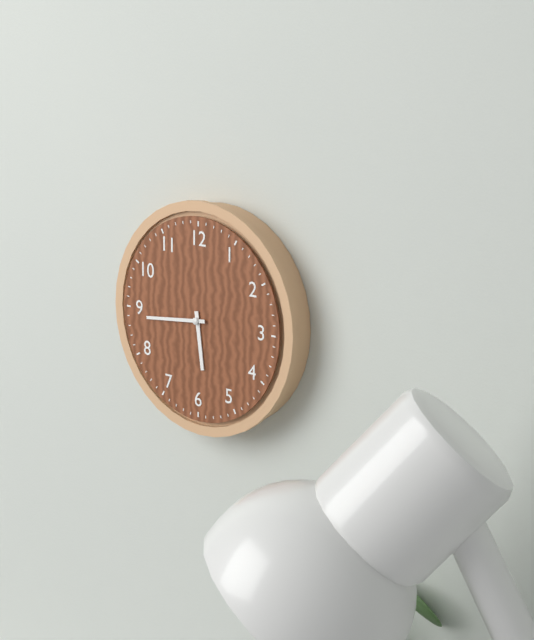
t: 5:44
